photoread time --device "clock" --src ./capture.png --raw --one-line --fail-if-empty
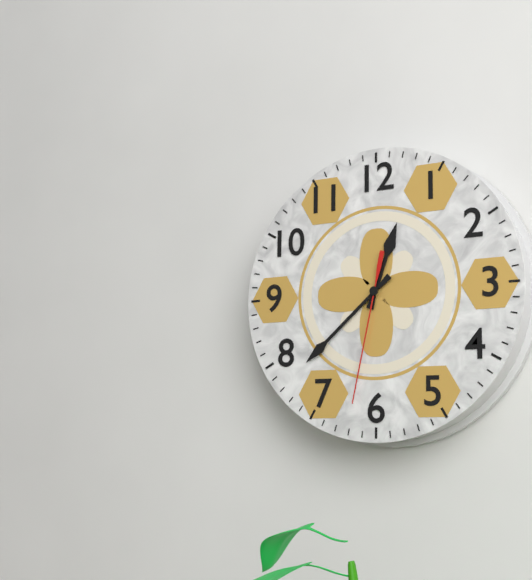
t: 12:38:32
